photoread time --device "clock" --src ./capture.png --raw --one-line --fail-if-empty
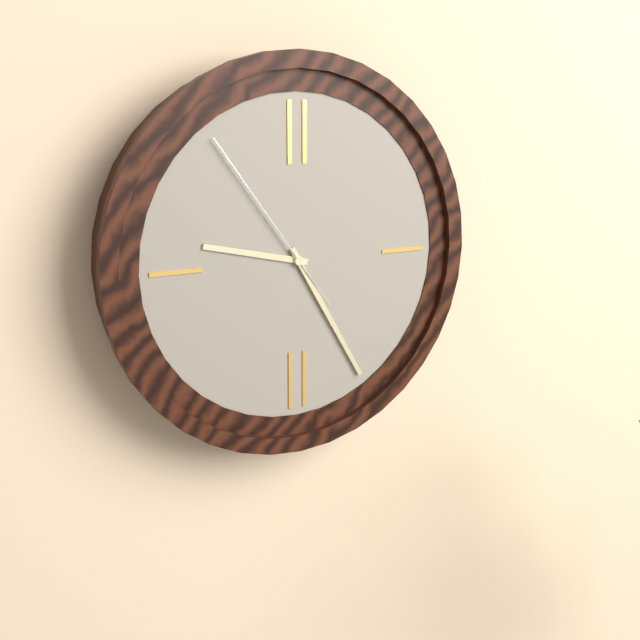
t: 9:25:54
